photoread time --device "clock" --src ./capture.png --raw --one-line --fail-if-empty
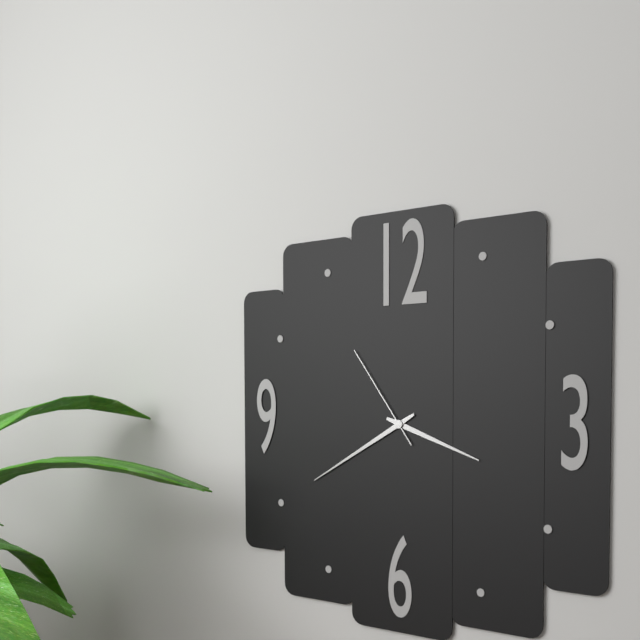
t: 3:40:54
